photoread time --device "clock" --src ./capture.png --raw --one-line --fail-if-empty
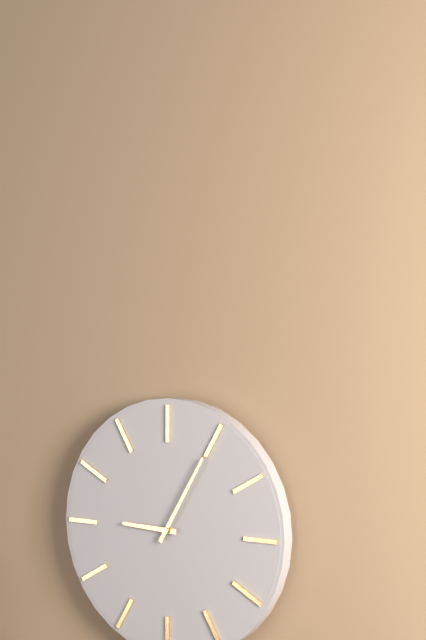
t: 9:05
